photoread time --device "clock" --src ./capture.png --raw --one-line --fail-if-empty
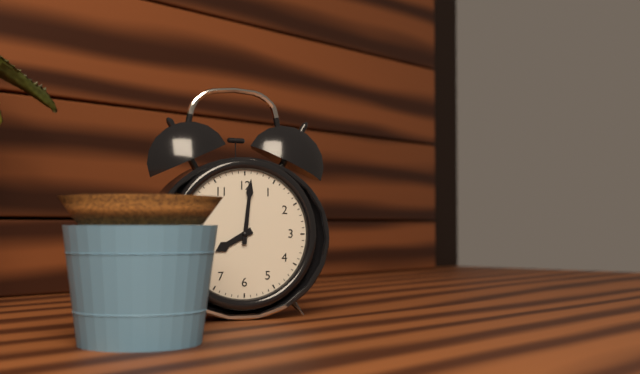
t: 8:01
